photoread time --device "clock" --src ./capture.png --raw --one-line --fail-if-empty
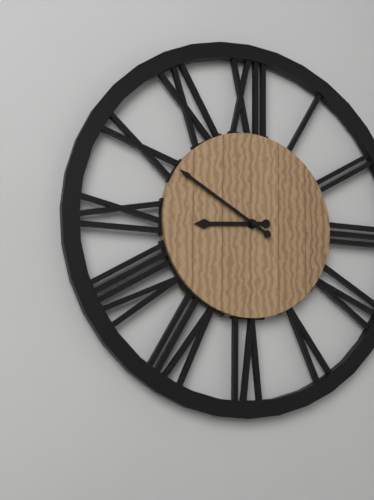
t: 8:50
